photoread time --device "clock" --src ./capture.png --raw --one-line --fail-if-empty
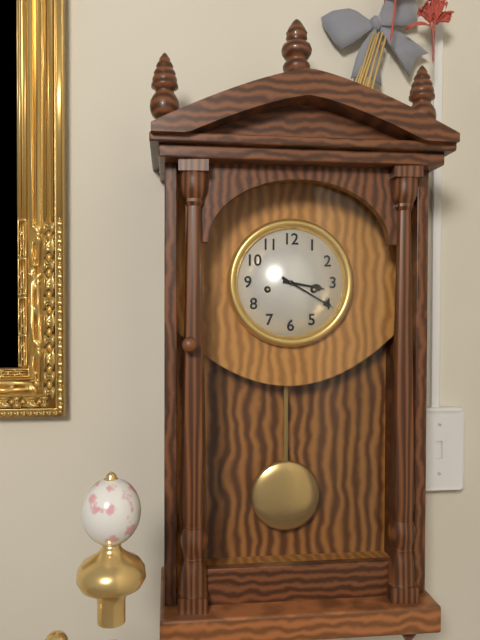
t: 3:20
